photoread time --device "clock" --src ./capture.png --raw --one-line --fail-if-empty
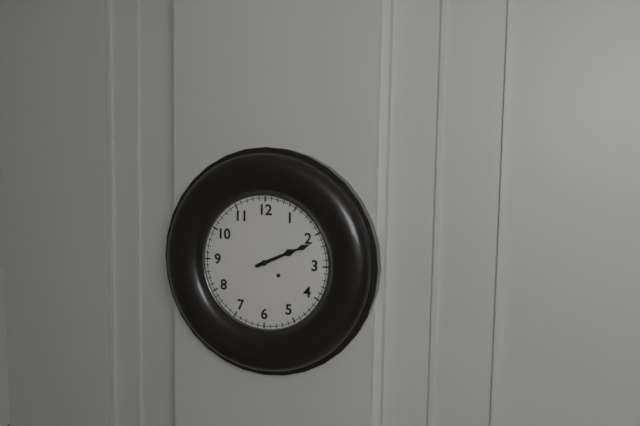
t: 2:11
